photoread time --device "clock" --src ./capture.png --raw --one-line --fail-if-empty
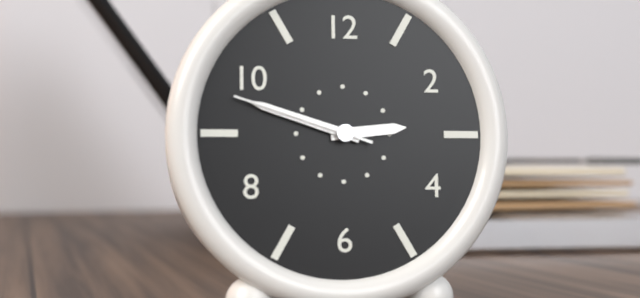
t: 2:48:48
